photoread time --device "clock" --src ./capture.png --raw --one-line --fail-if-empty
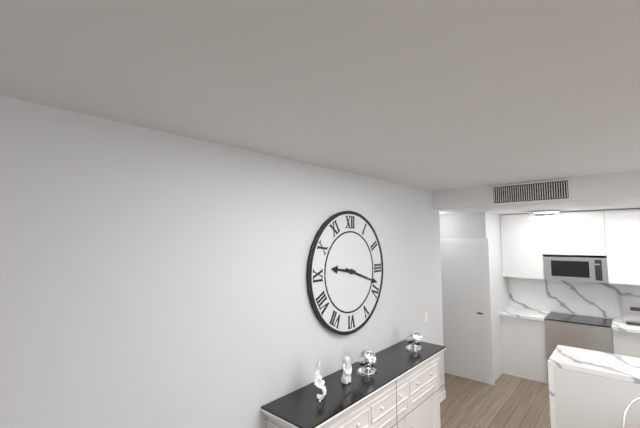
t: 9:18
